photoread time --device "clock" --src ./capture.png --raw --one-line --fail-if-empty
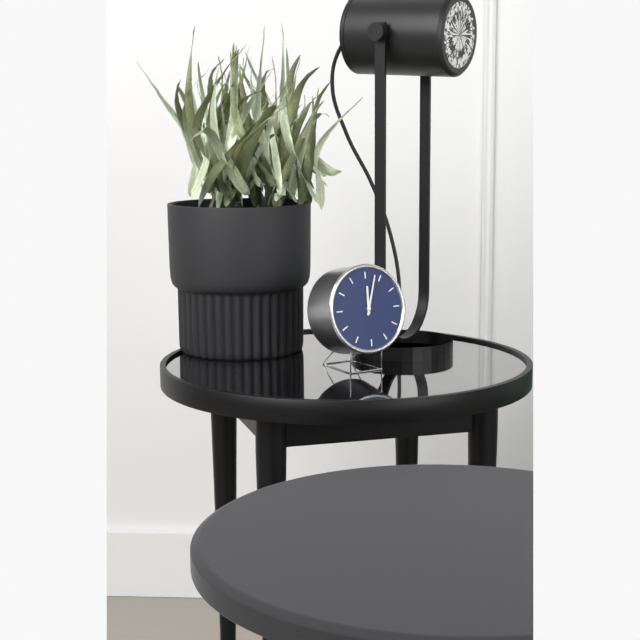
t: 12:03
